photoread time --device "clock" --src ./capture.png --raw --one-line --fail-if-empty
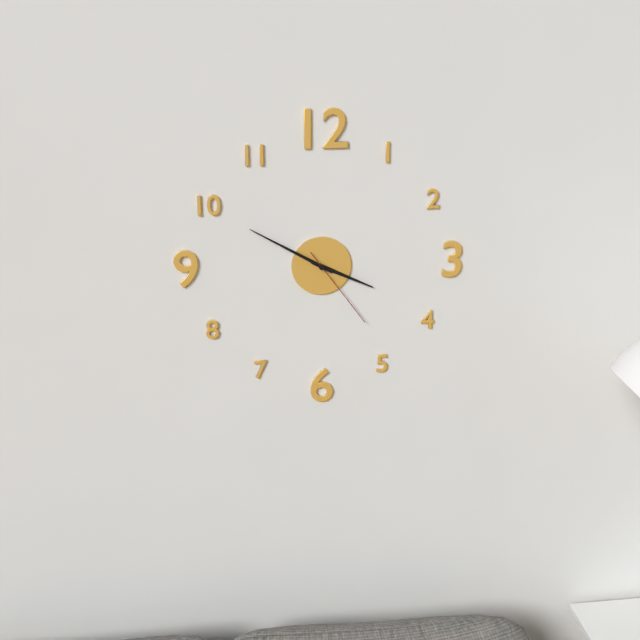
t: 3:50:24
